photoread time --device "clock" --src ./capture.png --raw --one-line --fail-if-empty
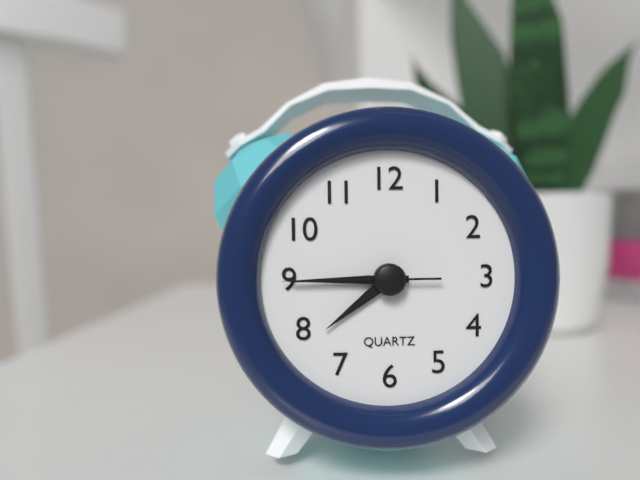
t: 7:45:45
